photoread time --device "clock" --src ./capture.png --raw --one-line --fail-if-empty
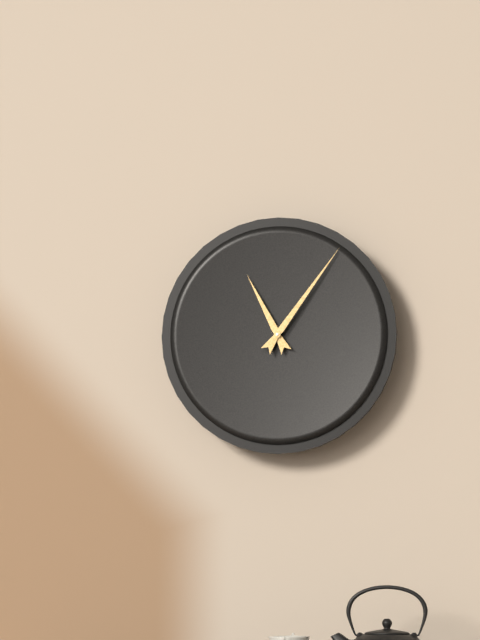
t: 11:06
